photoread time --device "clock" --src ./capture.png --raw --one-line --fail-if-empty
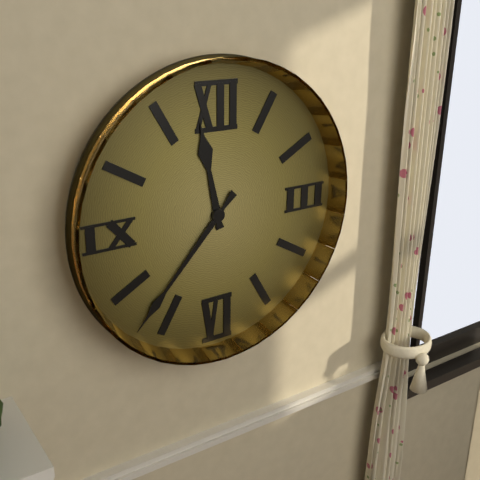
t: 11:37
